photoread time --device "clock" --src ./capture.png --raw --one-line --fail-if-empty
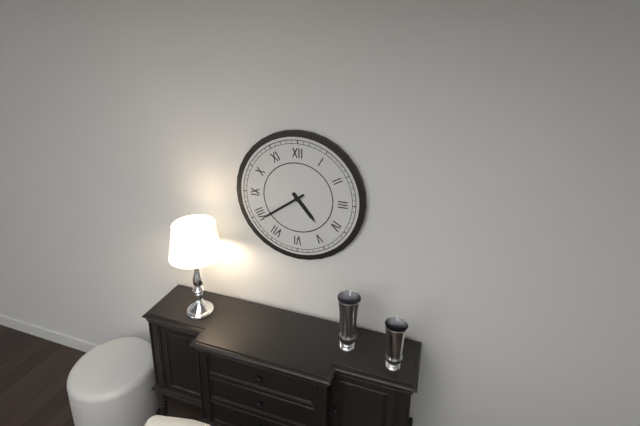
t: 4:39
